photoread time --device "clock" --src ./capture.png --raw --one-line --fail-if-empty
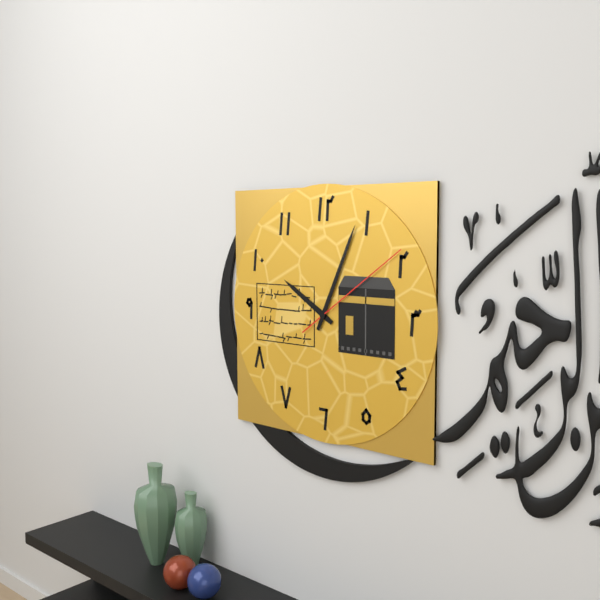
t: 10:04:09
